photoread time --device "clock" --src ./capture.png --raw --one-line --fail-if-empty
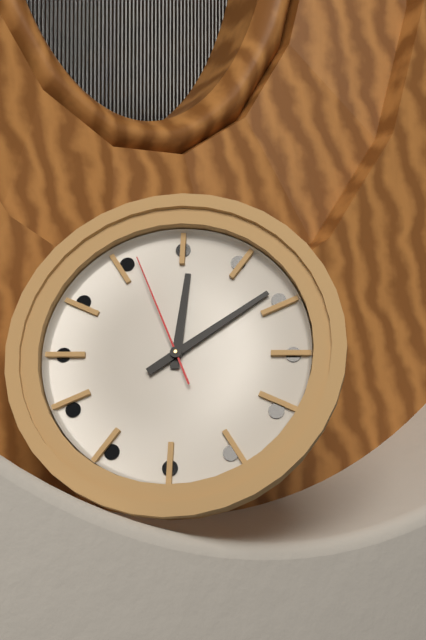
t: 12:09:56
